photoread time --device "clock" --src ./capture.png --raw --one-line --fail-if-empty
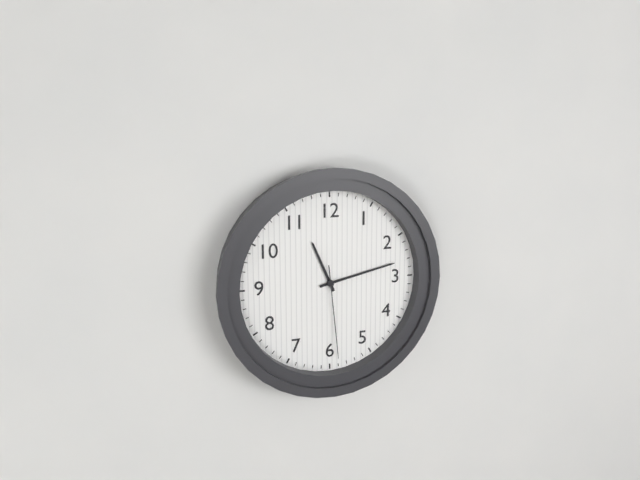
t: 11:13:29
